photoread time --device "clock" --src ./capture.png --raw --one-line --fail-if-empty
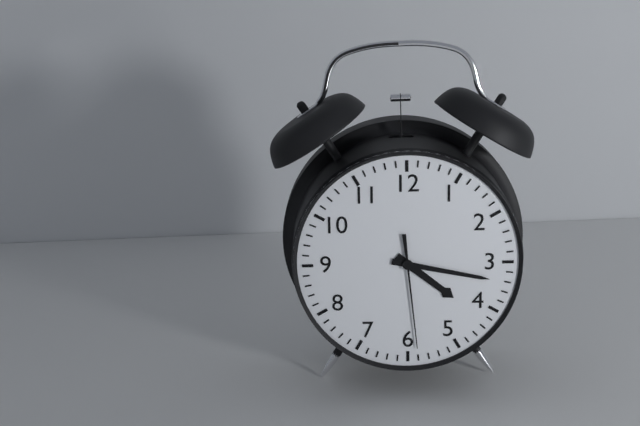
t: 4:17:29
